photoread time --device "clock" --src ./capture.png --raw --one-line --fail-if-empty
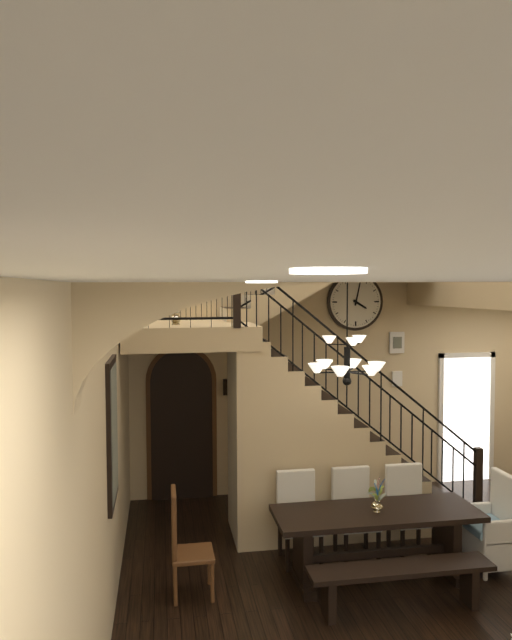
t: 4:02
